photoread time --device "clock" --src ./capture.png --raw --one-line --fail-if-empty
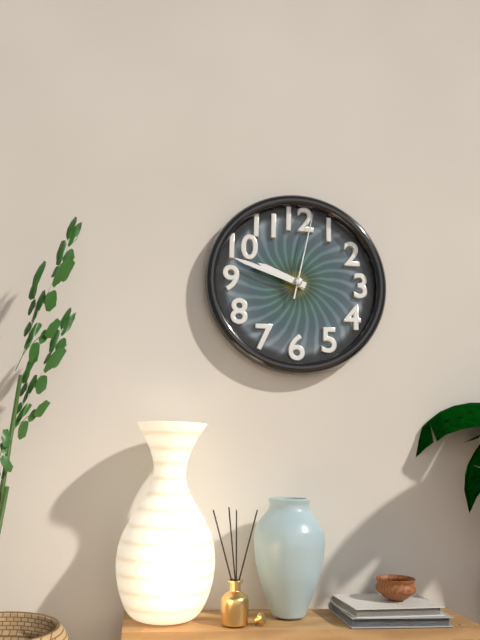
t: 9:48:02
